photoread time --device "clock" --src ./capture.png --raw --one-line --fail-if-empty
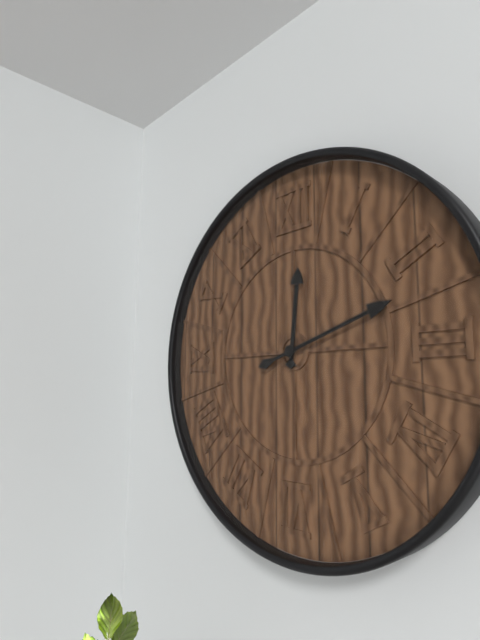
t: 12:12
